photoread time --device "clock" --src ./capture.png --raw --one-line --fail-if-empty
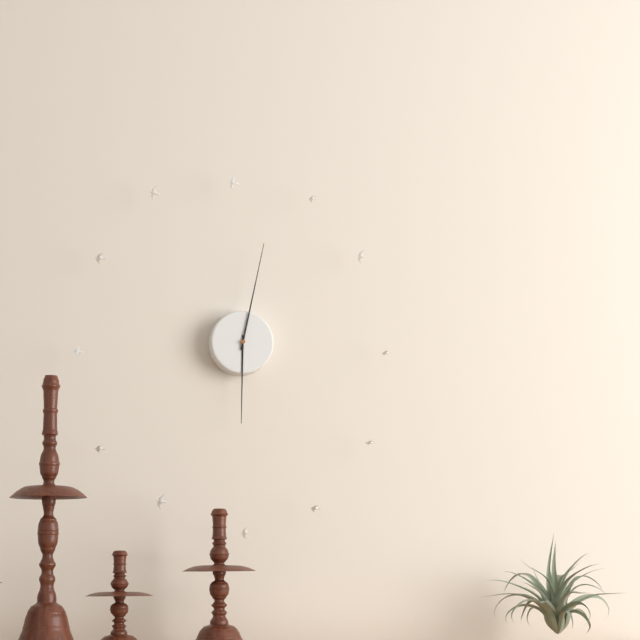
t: 6:02
